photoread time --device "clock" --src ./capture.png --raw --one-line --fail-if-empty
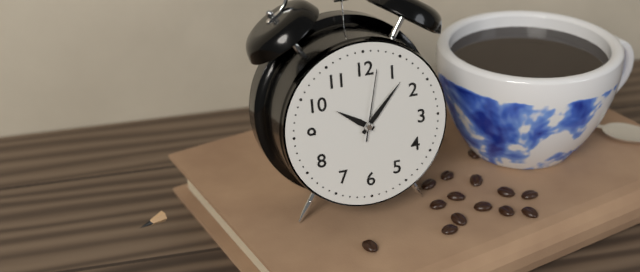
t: 10:07:02
